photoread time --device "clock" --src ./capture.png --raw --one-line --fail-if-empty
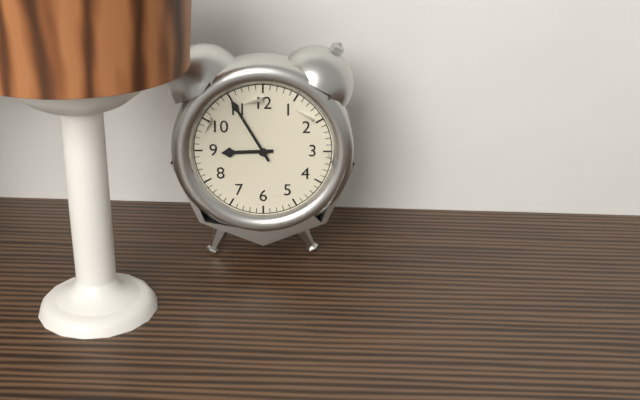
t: 8:55
